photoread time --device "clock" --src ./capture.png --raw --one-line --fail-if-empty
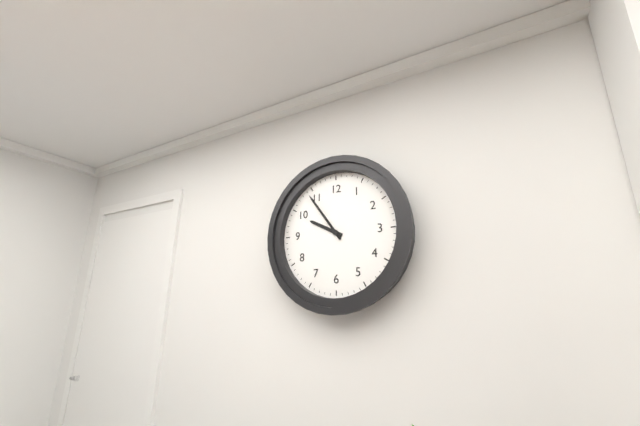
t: 9:54
